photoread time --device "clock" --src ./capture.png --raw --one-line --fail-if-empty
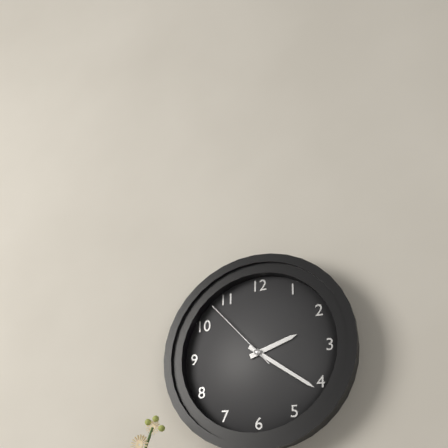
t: 2:21:53
